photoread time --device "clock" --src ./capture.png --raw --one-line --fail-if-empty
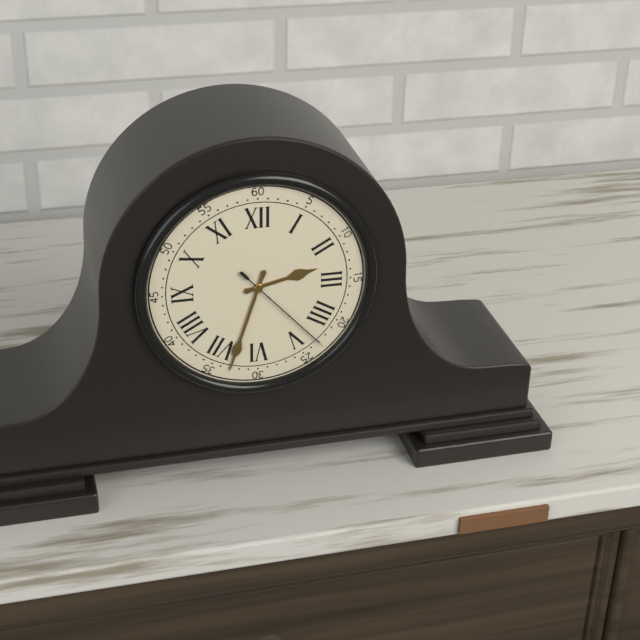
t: 2:33:23
